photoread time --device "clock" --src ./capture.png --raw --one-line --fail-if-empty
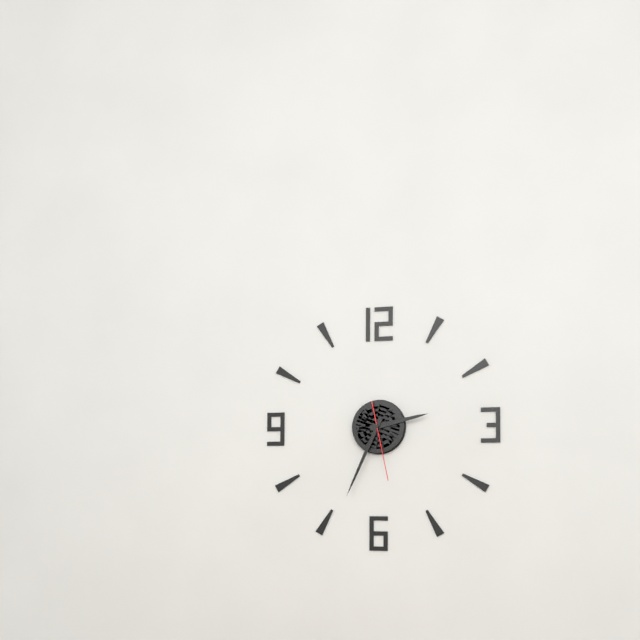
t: 2:34:28
